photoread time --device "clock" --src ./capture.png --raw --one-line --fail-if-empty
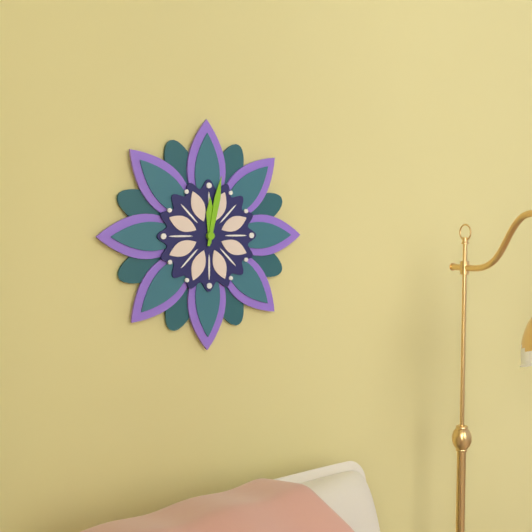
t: 12:02
